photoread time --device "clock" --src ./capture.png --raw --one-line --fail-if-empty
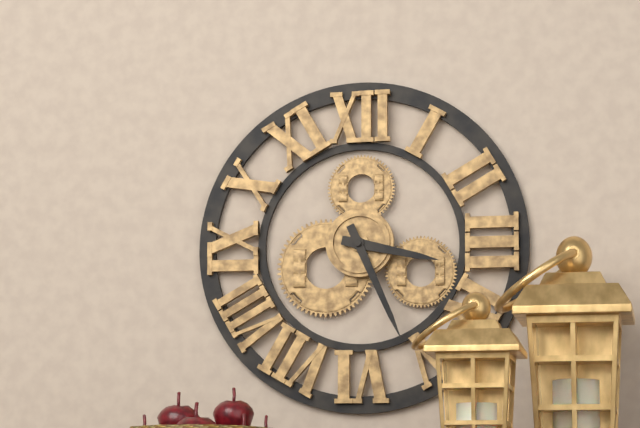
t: 3:26
